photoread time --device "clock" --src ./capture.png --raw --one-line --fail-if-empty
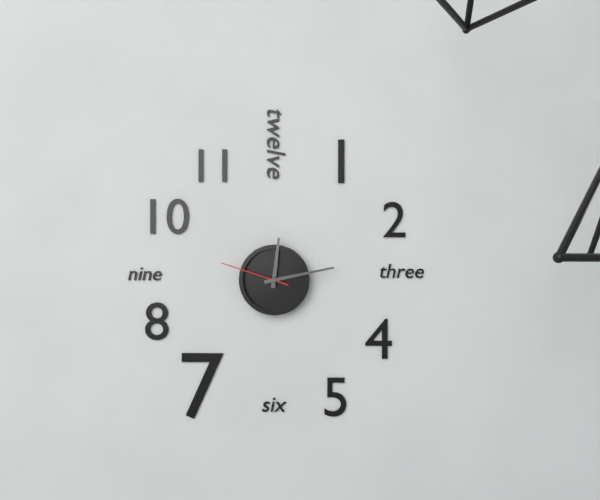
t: 12:13:48
